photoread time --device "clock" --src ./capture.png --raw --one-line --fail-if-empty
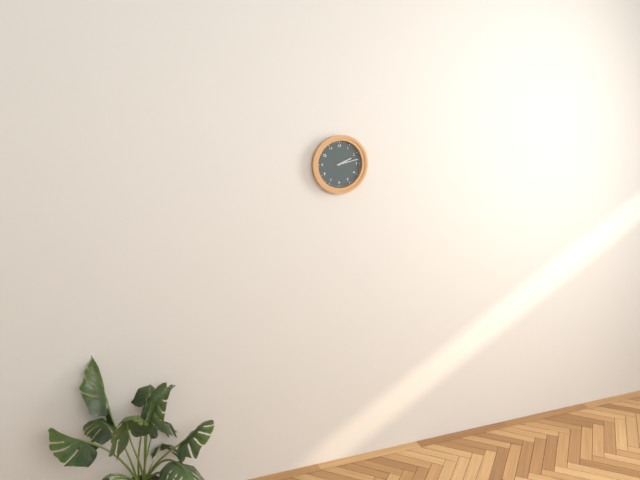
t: 2:13
